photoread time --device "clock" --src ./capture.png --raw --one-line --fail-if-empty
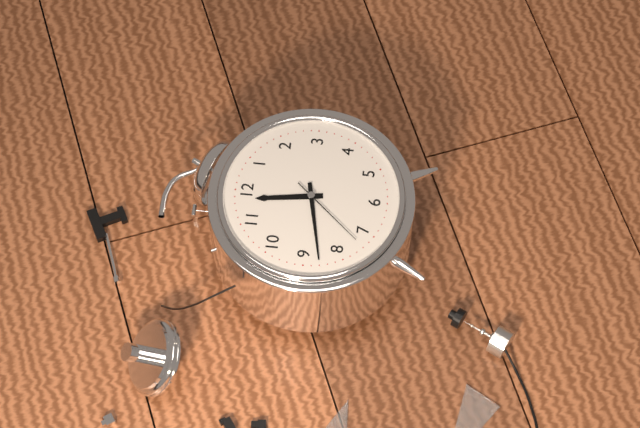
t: 11:43:37
